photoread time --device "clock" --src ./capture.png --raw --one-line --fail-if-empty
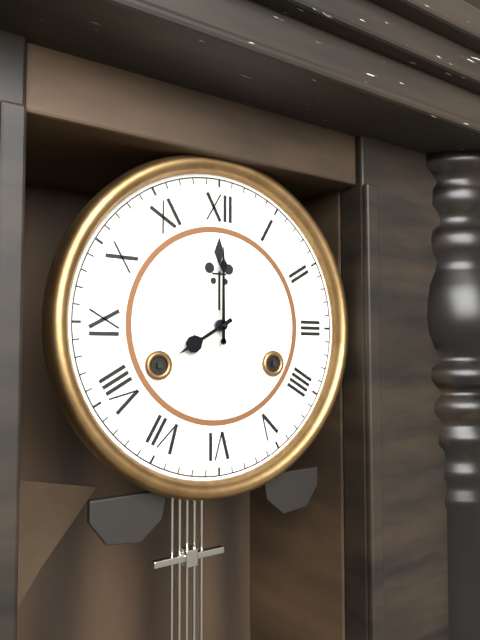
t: 8:00
